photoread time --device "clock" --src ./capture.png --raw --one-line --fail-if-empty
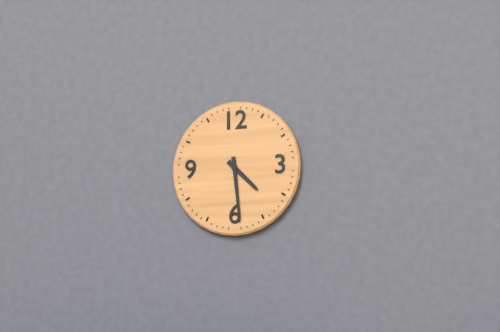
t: 4:29
